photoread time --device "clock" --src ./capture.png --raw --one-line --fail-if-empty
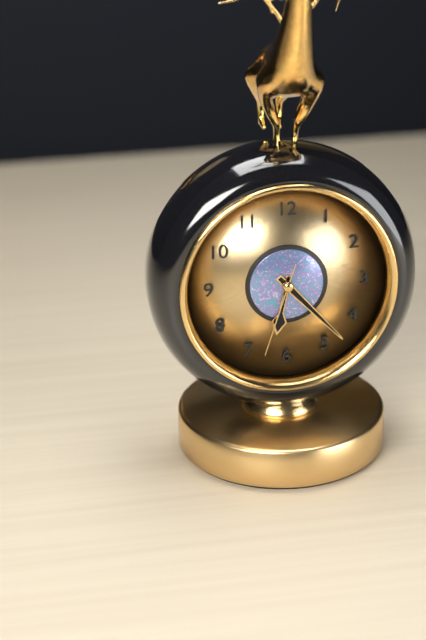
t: 6:23:33
